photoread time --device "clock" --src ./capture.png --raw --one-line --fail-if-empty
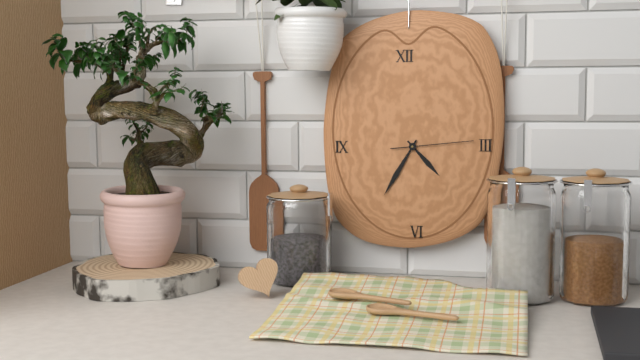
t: 4:35:14
